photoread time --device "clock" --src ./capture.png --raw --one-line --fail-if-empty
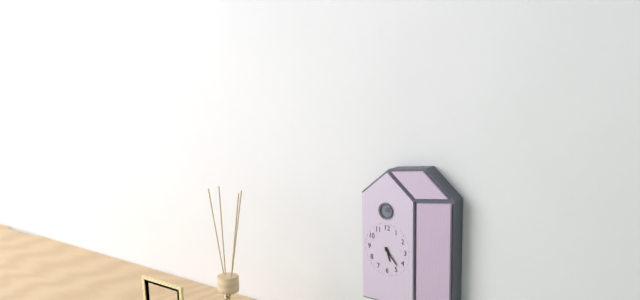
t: 5:23
